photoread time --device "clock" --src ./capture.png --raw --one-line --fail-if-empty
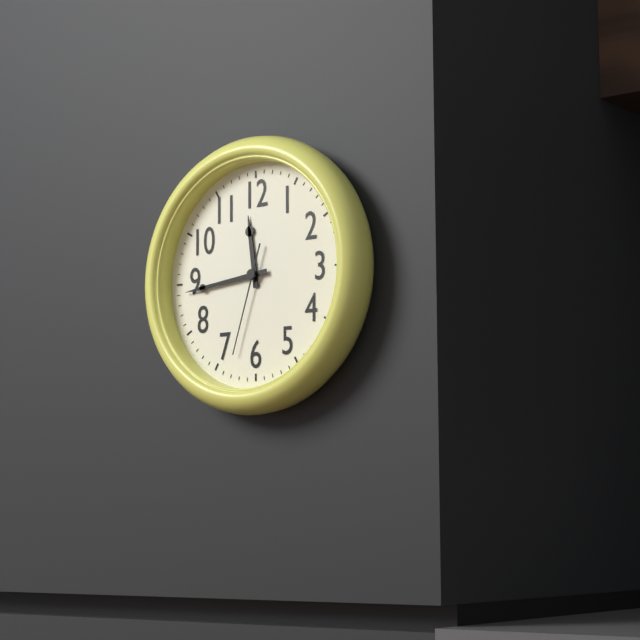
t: 11:44:33
